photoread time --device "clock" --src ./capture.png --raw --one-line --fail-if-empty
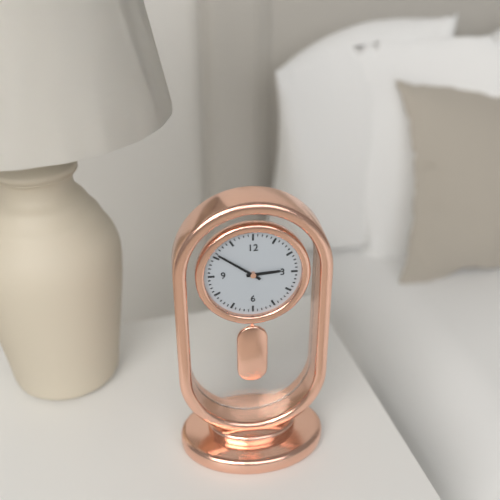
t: 2:51
